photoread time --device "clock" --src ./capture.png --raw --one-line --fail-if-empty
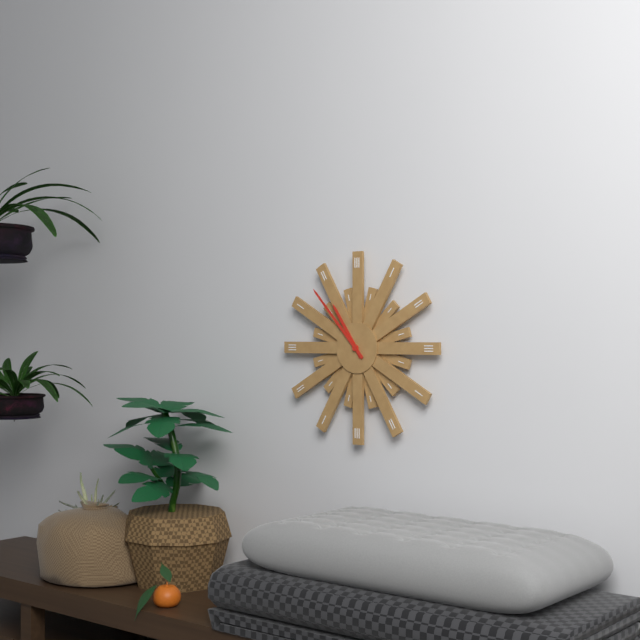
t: 10:53
